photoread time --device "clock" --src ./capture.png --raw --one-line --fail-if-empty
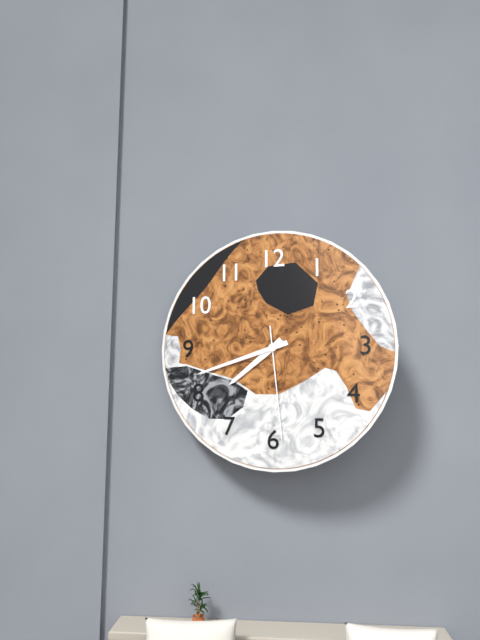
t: 7:42:29
